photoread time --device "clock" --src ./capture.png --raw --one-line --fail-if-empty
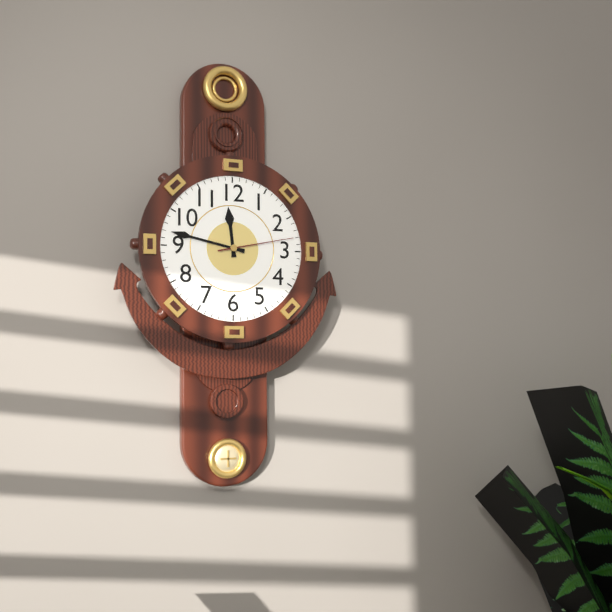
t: 11:47:13
